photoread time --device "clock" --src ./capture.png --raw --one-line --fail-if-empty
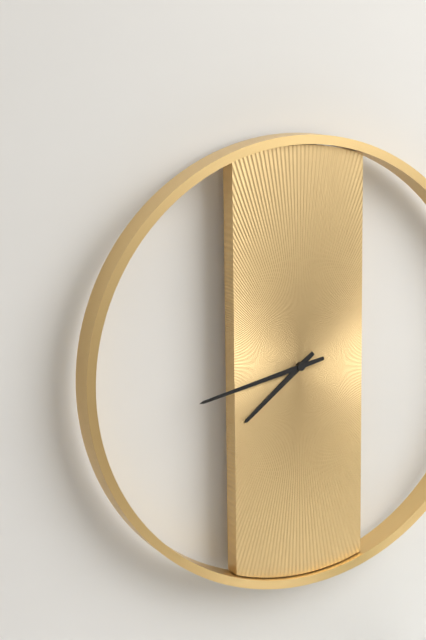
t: 7:43
